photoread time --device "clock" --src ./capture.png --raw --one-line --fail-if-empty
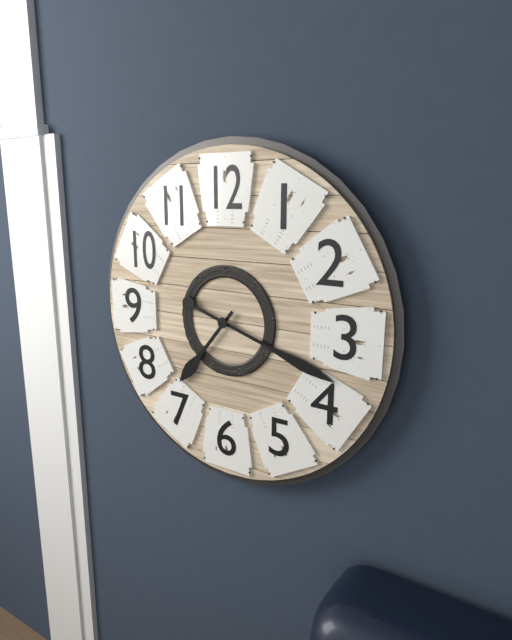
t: 7:18
